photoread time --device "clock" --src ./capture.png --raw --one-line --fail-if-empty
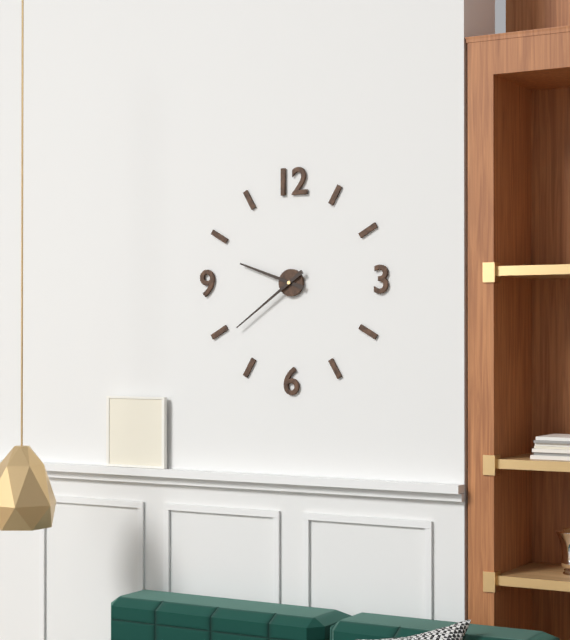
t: 9:39
